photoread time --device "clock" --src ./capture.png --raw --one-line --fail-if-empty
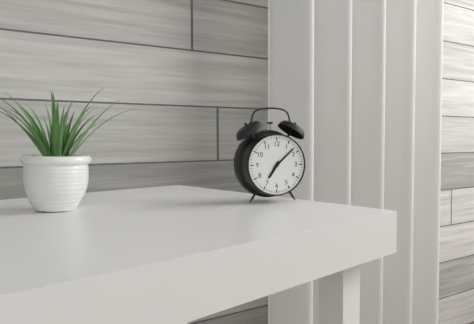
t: 7:08
